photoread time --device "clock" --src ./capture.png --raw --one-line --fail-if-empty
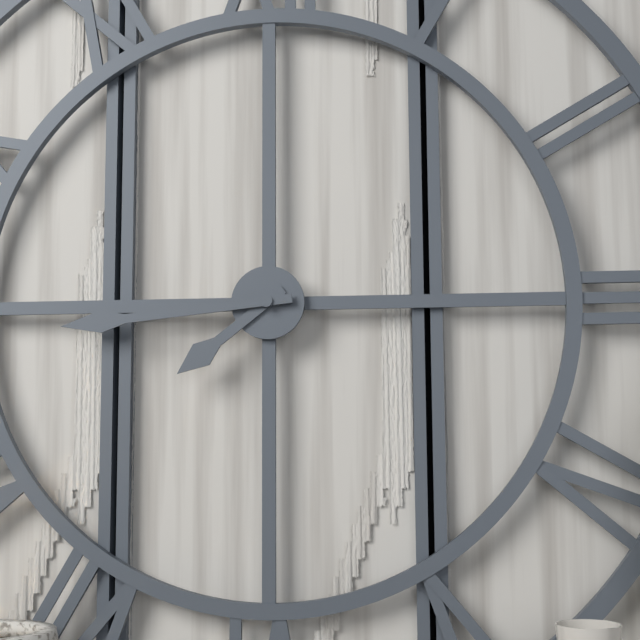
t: 7:44
